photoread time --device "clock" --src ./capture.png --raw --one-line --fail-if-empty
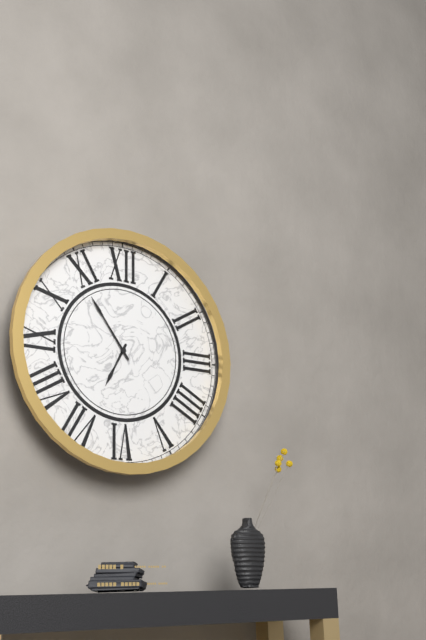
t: 6:54
